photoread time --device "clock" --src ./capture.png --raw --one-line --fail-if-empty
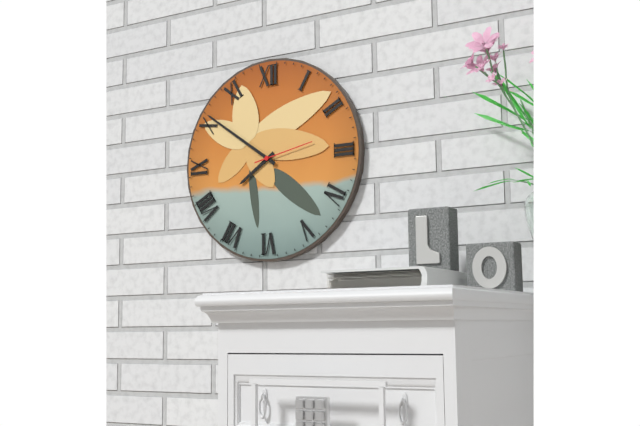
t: 7:51:13
